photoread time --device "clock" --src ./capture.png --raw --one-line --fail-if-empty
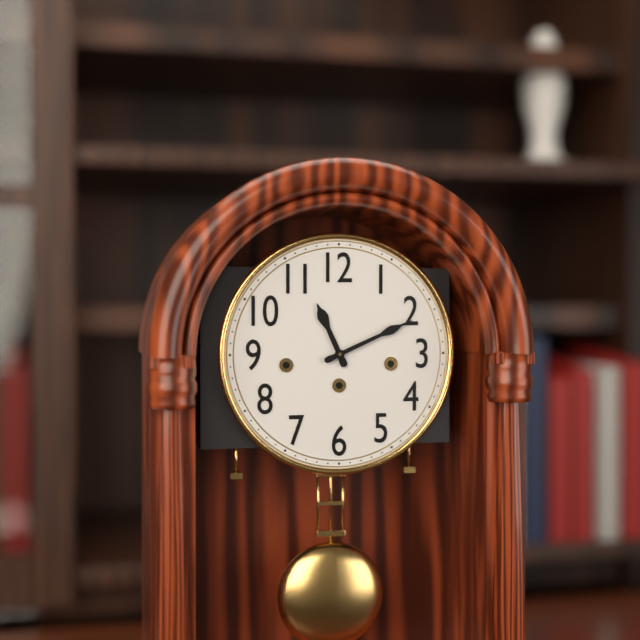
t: 11:11
